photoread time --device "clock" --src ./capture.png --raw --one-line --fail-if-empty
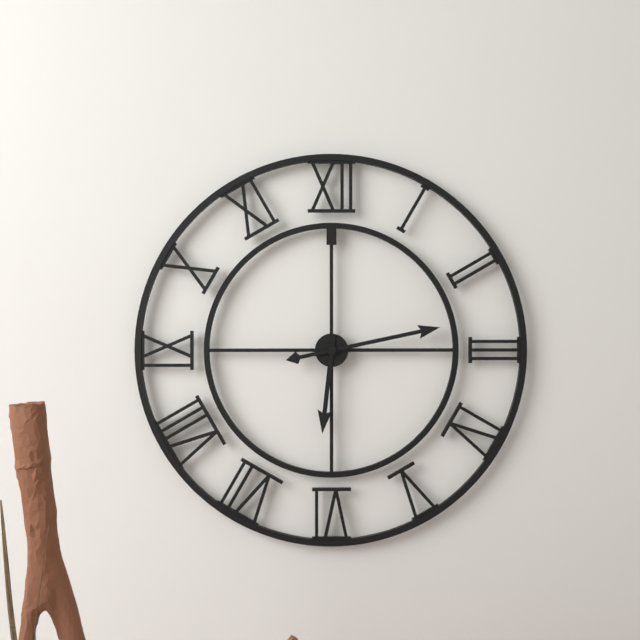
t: 6:13
